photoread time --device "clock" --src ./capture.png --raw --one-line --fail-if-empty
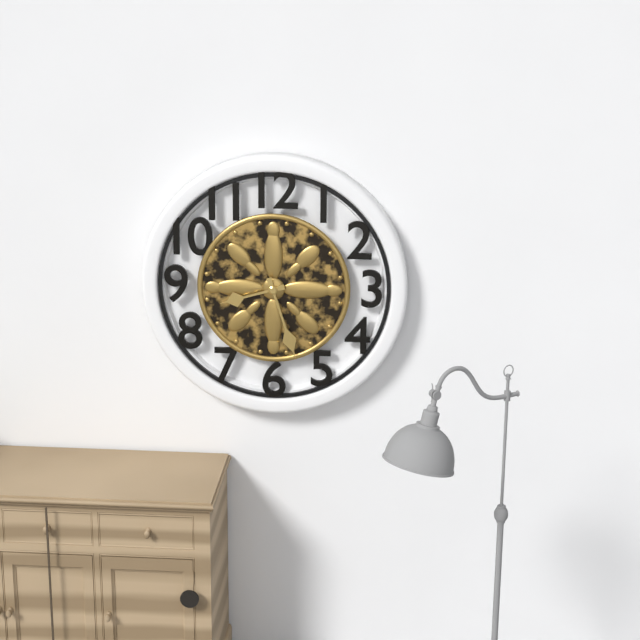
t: 8:27
